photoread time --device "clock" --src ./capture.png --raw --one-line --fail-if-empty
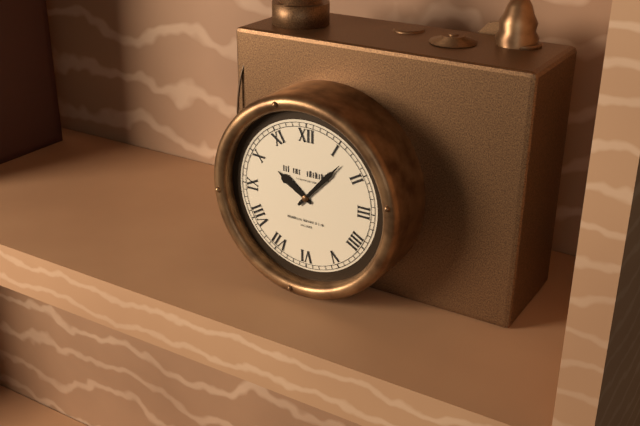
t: 10:07
